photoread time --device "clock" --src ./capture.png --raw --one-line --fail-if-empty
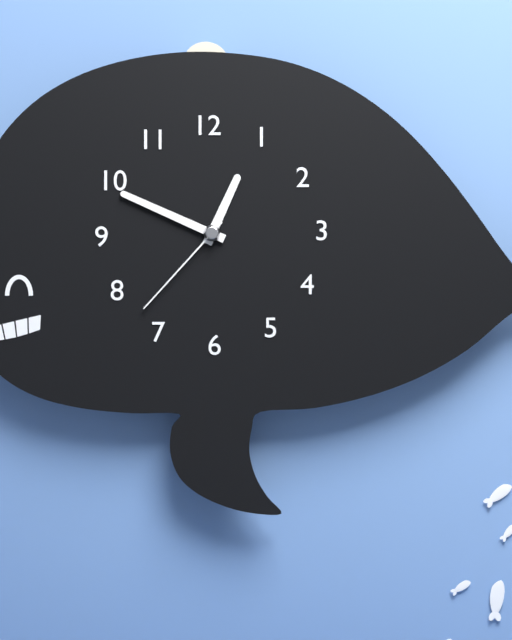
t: 12:49:37
